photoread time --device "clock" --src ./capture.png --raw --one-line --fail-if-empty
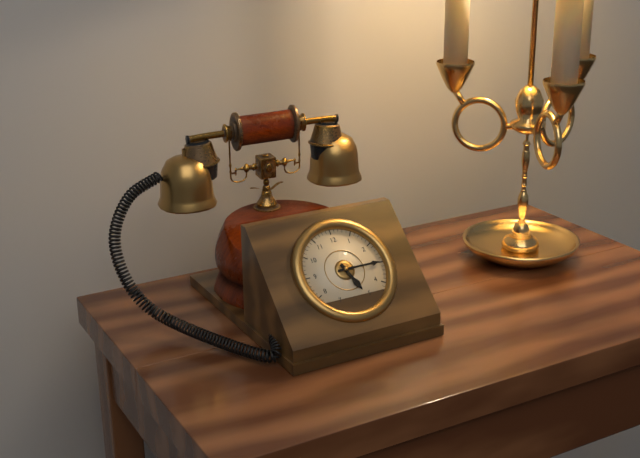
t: 5:15
